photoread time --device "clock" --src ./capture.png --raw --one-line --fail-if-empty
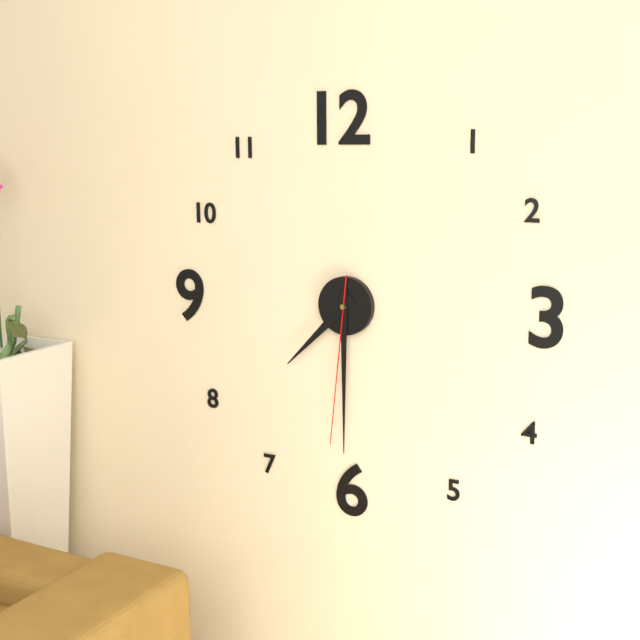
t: 7:30:31
